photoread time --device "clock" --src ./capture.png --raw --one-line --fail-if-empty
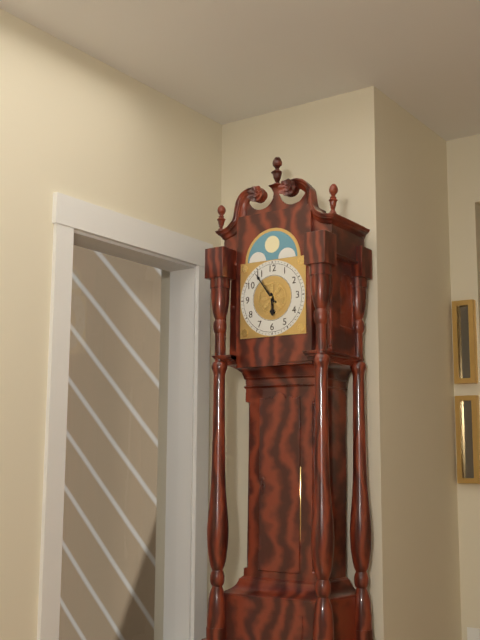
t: 5:54
